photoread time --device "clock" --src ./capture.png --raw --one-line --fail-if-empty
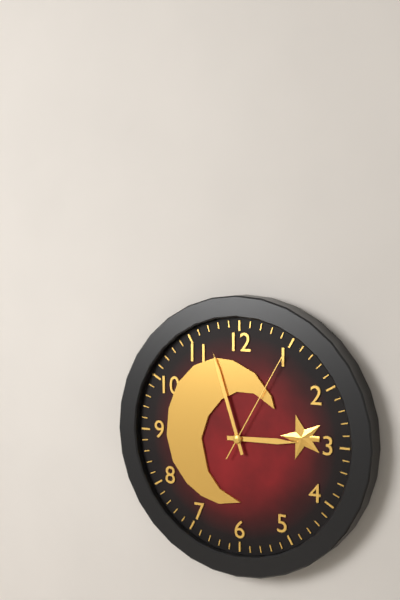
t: 2:57:05
